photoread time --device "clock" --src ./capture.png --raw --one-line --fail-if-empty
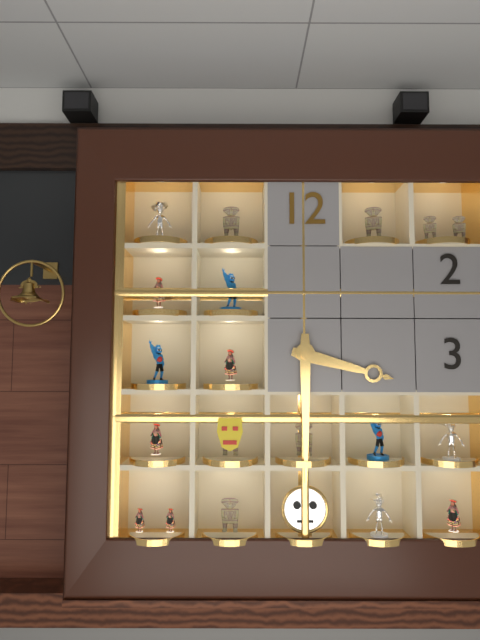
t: 3:30
